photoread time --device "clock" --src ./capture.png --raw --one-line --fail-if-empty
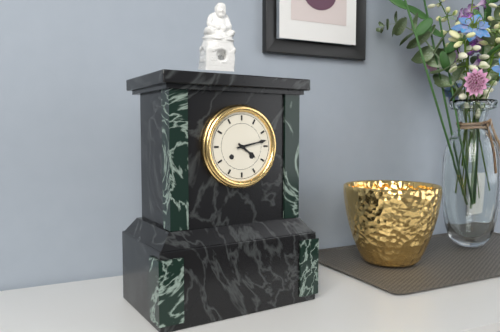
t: 4:13
